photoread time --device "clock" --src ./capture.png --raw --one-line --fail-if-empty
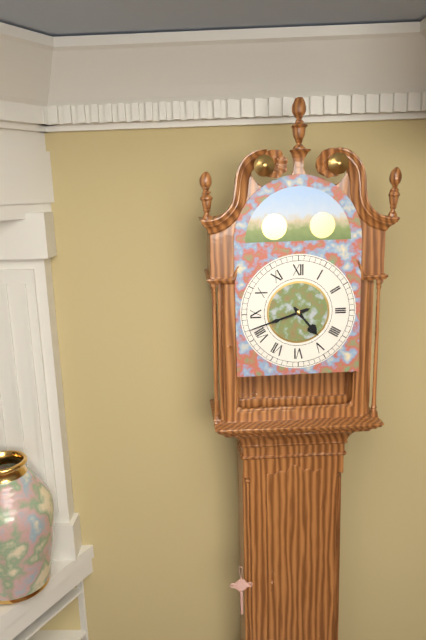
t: 4:42
